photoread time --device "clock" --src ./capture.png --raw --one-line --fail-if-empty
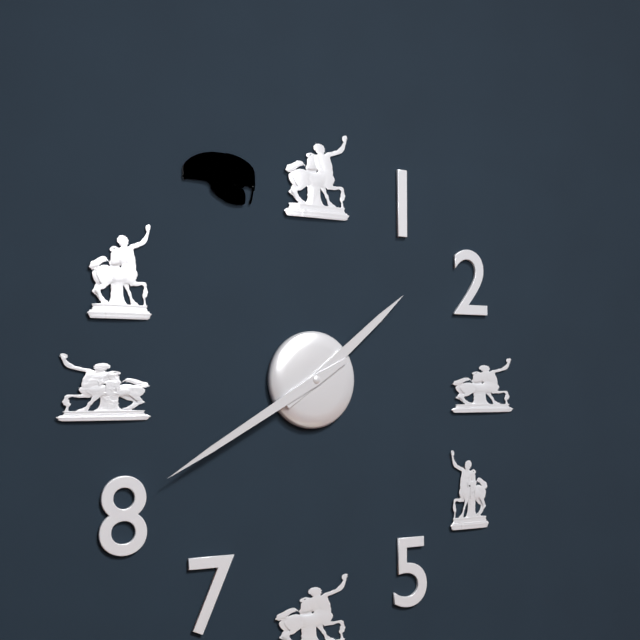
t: 1:40
